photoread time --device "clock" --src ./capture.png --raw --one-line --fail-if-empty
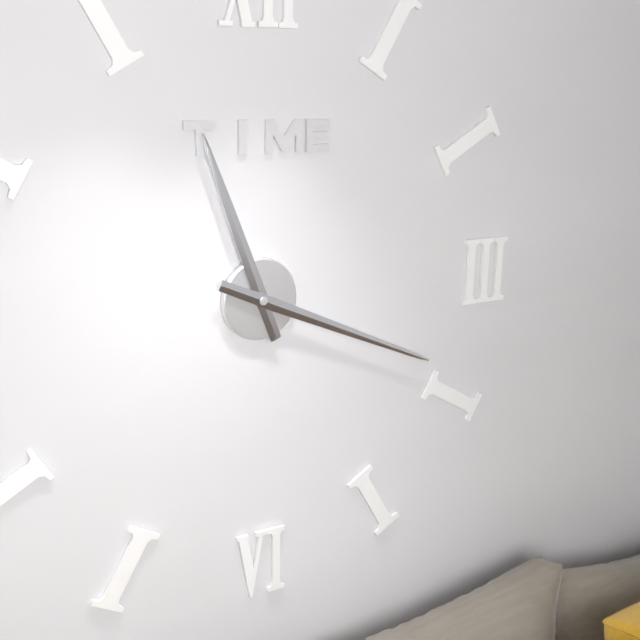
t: 11:19
